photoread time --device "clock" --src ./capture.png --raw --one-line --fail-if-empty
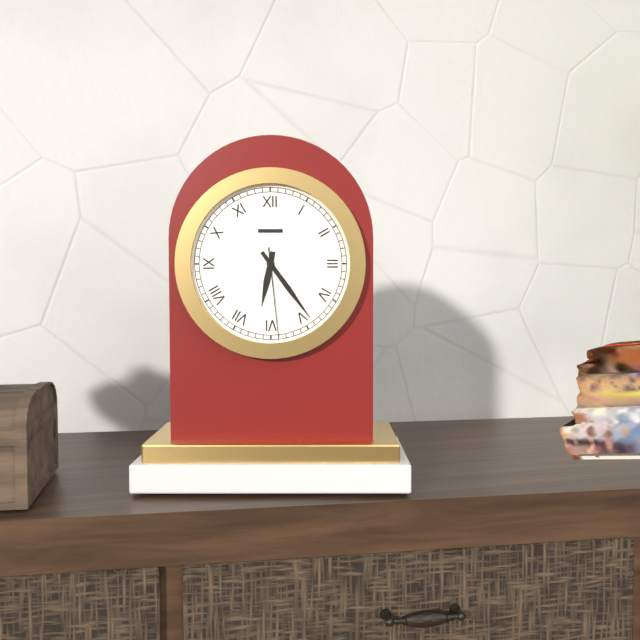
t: 6:24:29
